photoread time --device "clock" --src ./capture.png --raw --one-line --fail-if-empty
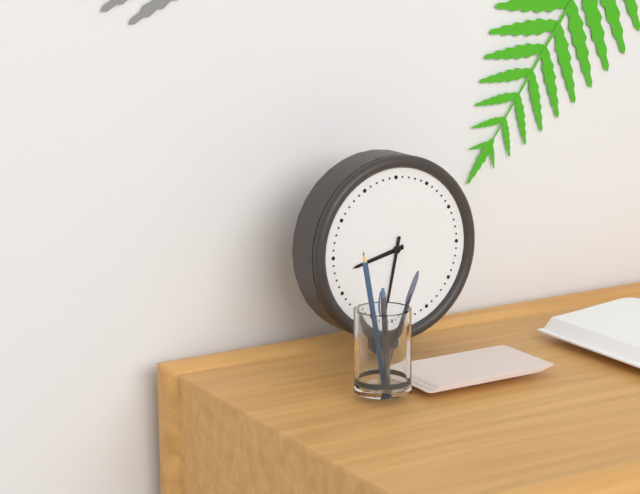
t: 8:32
